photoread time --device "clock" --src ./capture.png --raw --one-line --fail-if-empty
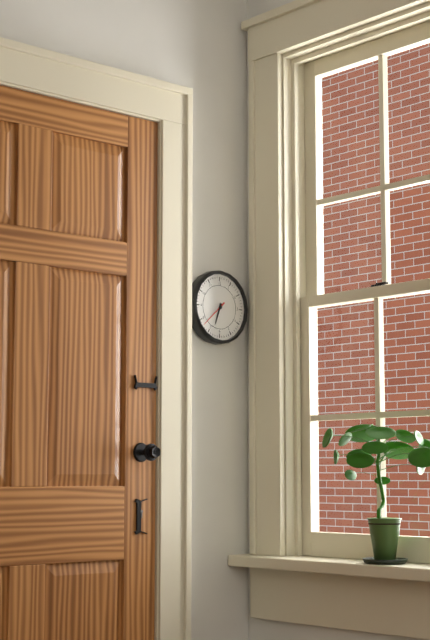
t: 6:38
